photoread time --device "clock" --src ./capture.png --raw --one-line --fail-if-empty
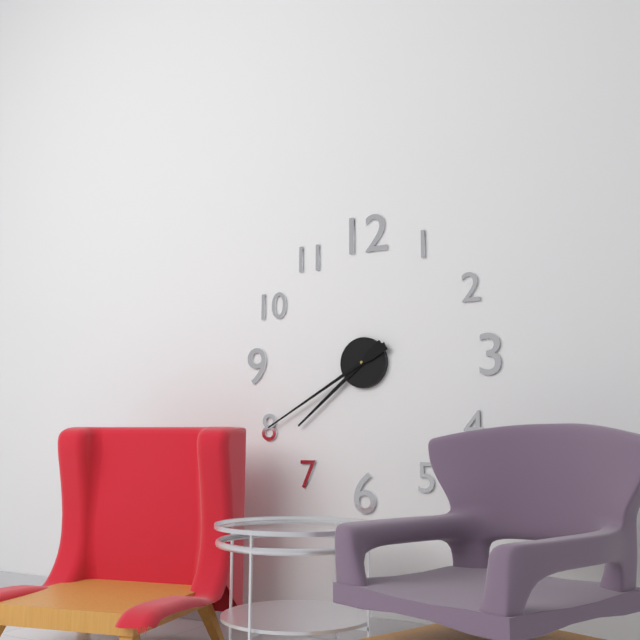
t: 7:40
